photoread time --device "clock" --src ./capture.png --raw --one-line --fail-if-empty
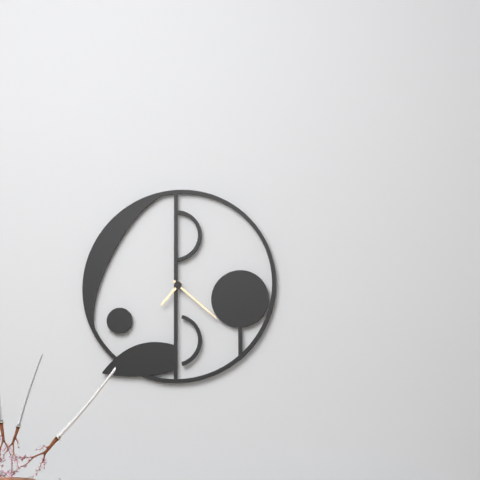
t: 7:22
